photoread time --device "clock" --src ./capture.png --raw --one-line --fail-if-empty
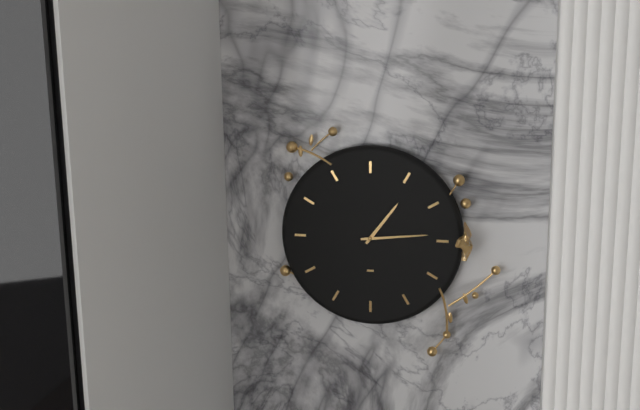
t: 1:14
